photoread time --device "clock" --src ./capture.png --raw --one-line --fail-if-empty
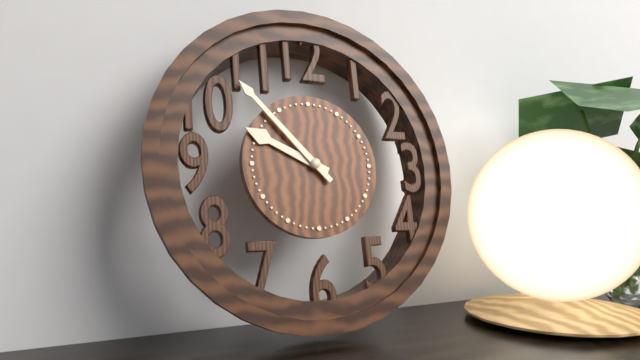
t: 9:53
